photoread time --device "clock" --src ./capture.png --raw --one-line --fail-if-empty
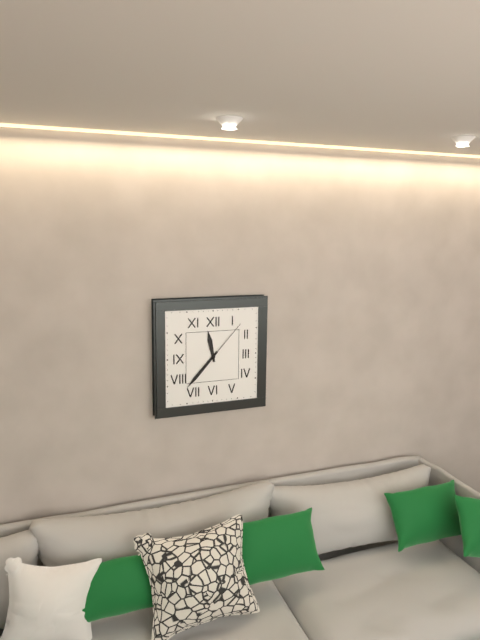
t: 11:37:07
